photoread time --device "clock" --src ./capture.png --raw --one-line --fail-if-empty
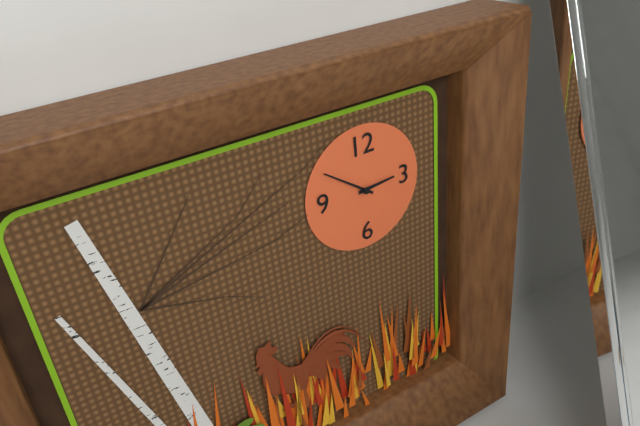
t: 2:51
